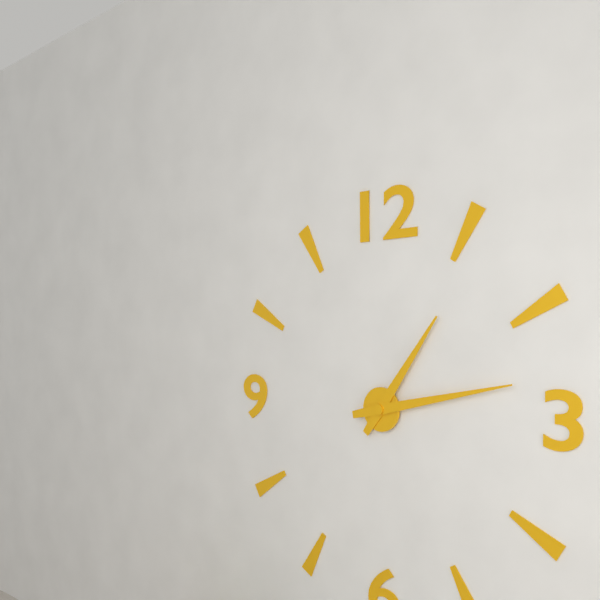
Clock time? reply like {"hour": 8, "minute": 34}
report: {"hour": 1, "minute": 13}
